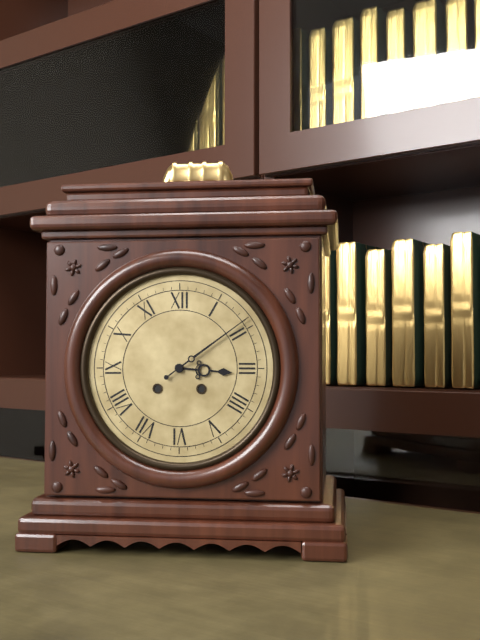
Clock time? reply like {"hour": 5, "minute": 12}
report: {"hour": 3, "minute": 9}
